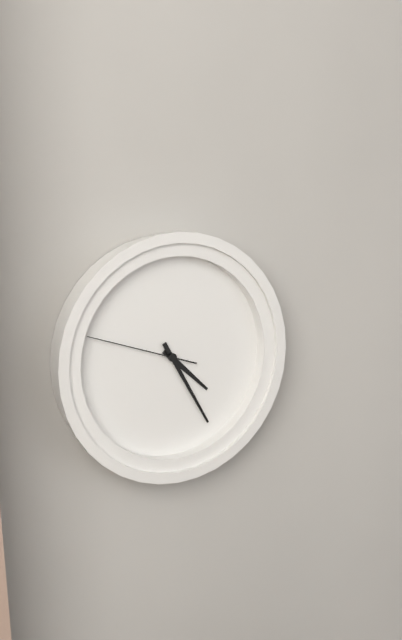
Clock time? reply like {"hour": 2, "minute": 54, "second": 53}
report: {"hour": 4, "minute": 25, "second": 48}
